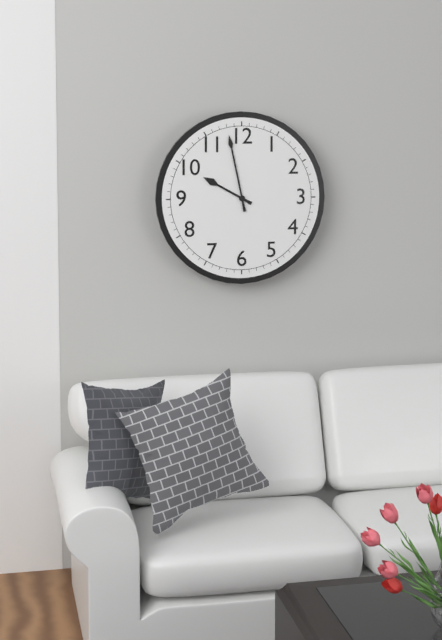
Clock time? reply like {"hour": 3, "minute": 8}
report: {"hour": 9, "minute": 58}
